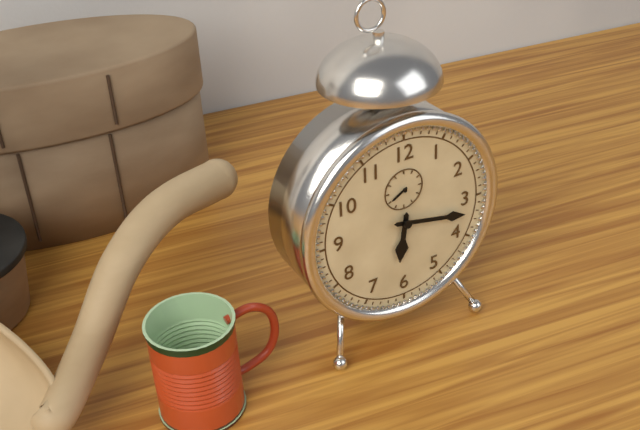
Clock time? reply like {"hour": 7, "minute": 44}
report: {"hour": 6, "minute": 17}
